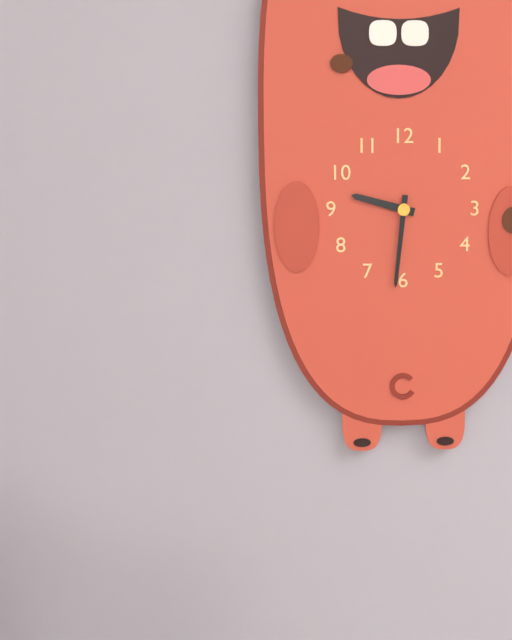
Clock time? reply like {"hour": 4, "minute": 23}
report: {"hour": 9, "minute": 31}
